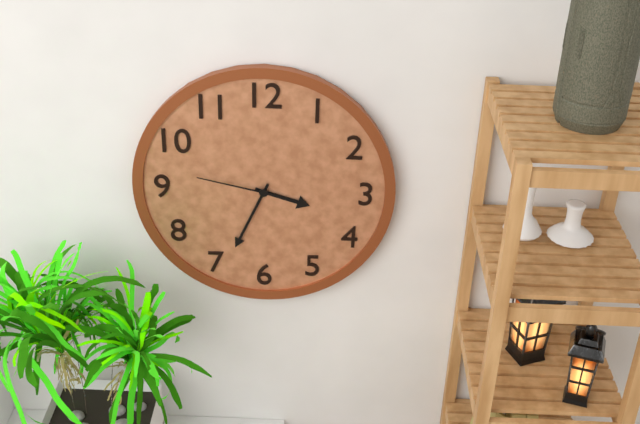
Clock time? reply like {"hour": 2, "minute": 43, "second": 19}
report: {"hour": 3, "minute": 34, "second": 47}
